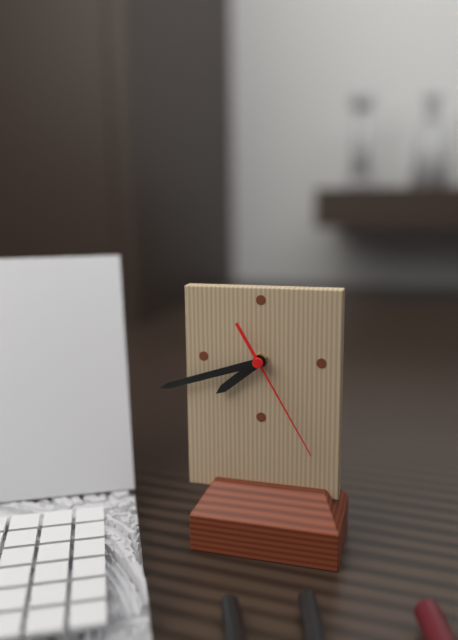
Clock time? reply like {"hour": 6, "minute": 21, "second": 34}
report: {"hour": 7, "minute": 42, "second": 25}
